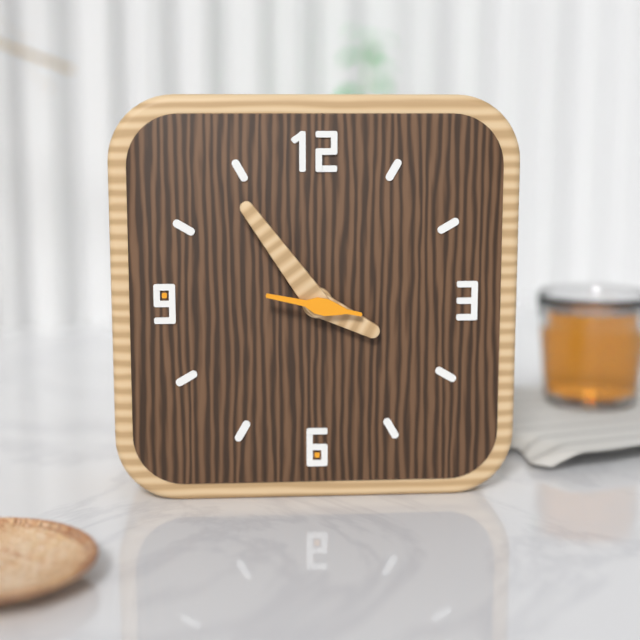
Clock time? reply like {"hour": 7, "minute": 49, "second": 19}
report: {"hour": 3, "minute": 54, "second": 47}
